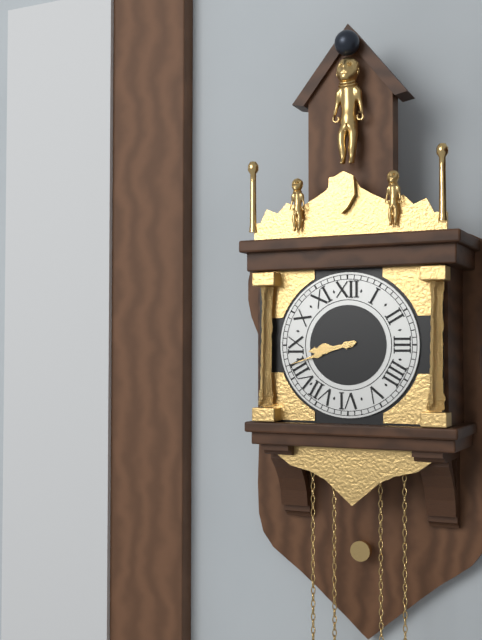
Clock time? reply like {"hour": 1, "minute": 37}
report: {"hour": 8, "minute": 42}
